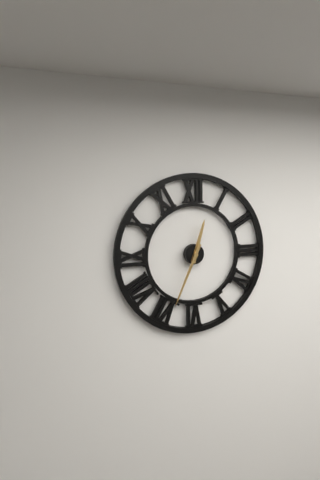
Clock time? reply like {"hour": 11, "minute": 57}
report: {"hour": 12, "minute": 34}
